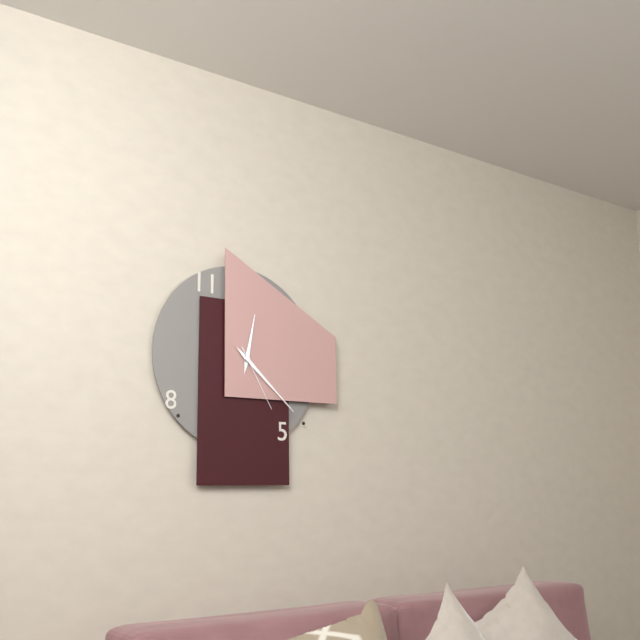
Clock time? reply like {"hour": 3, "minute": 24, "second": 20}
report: {"hour": 12, "minute": 22, "second": 25}
